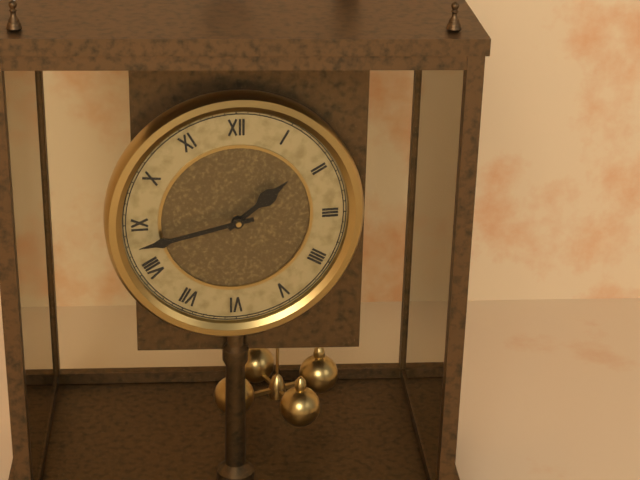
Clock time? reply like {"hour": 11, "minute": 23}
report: {"hour": 1, "minute": 43}
